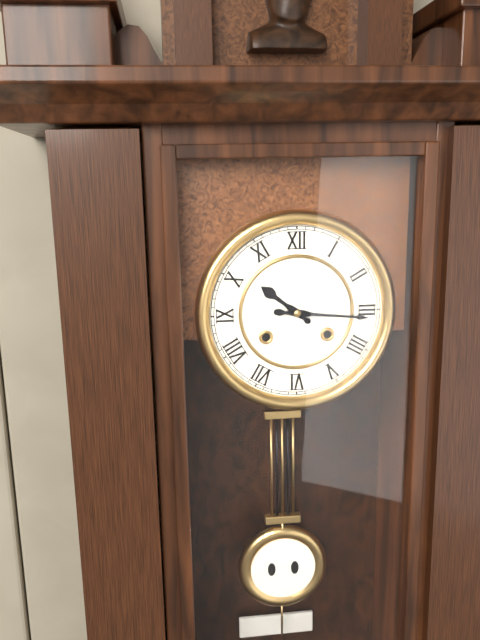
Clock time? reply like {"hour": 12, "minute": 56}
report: {"hour": 10, "minute": 16}
